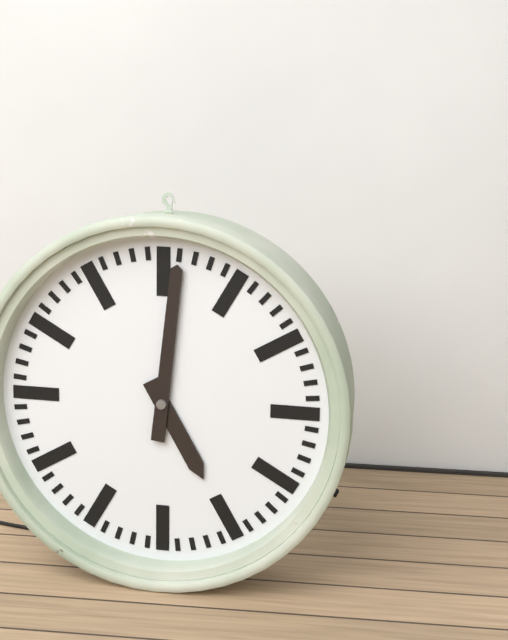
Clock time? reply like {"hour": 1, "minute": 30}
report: {"hour": 5, "minute": 1}
